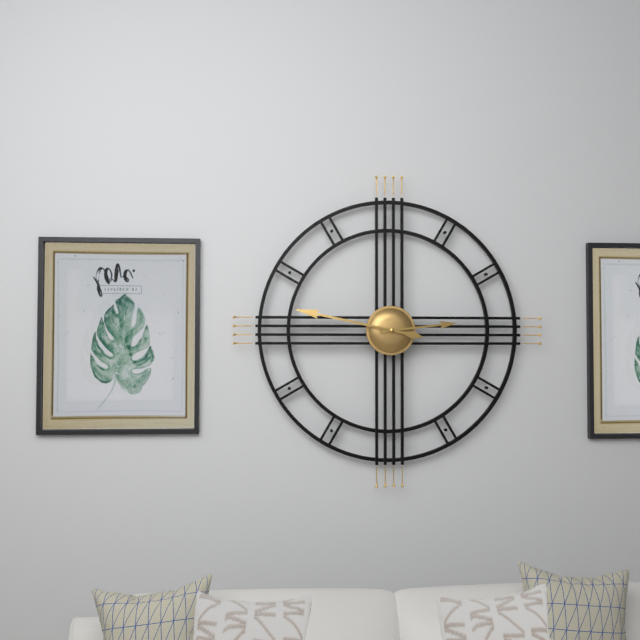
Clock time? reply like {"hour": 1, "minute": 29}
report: {"hour": 2, "minute": 47}
